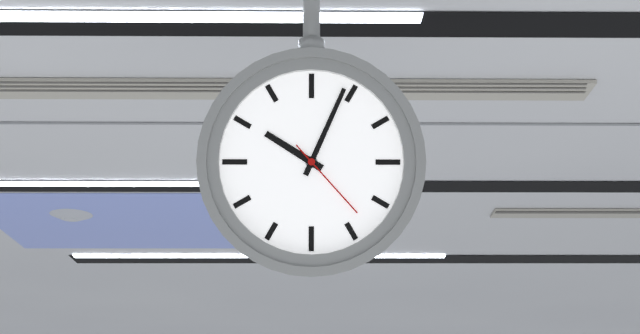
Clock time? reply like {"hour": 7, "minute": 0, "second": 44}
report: {"hour": 10, "minute": 4, "second": 23}
